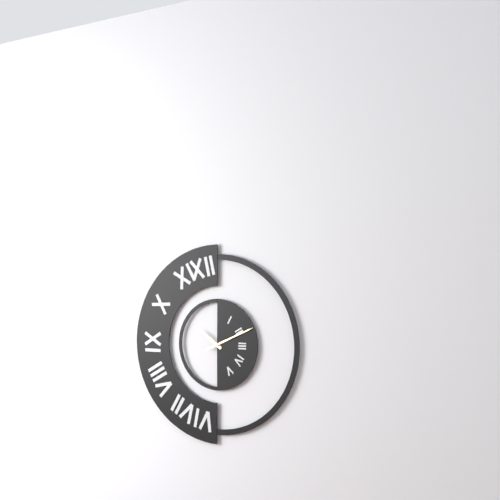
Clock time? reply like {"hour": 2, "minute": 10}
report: {"hour": 10, "minute": 11}
